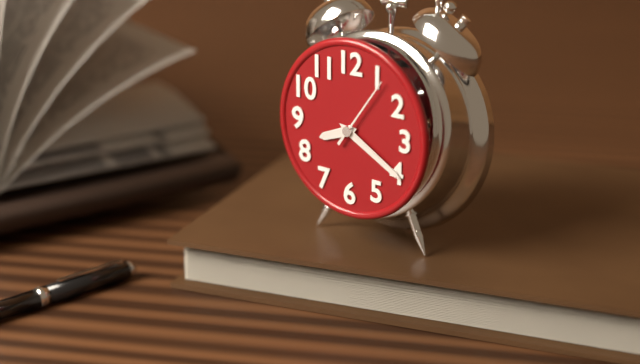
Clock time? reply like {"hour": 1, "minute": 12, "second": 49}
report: {"hour": 8, "minute": 20, "second": 6}
